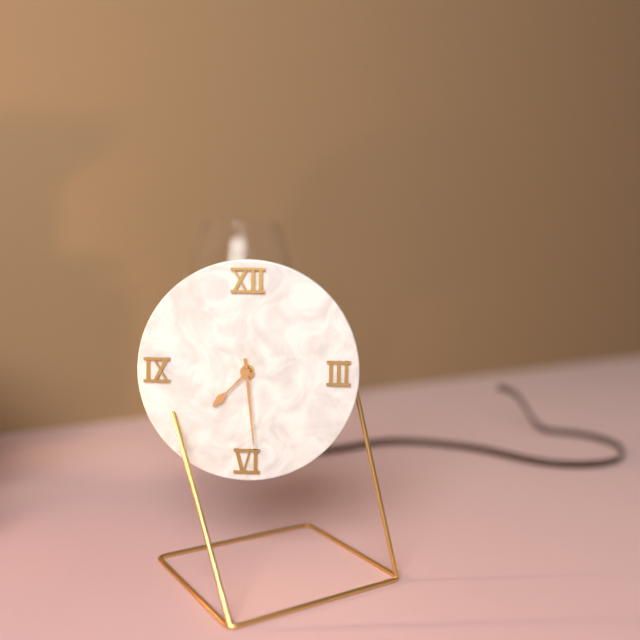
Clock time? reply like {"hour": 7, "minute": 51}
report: {"hour": 7, "minute": 29}
